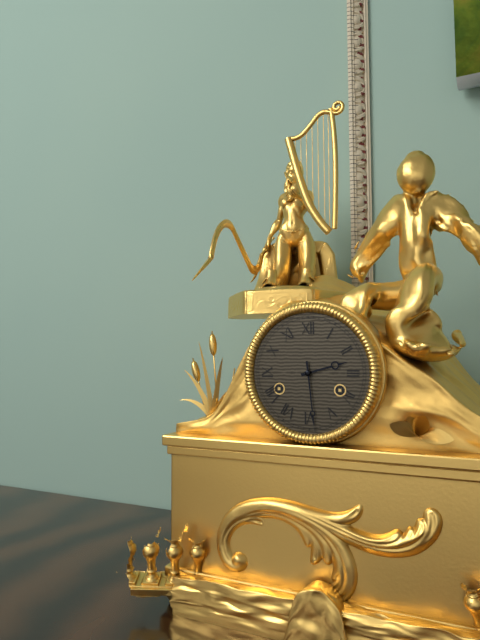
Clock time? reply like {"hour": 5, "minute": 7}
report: {"hour": 2, "minute": 29}
